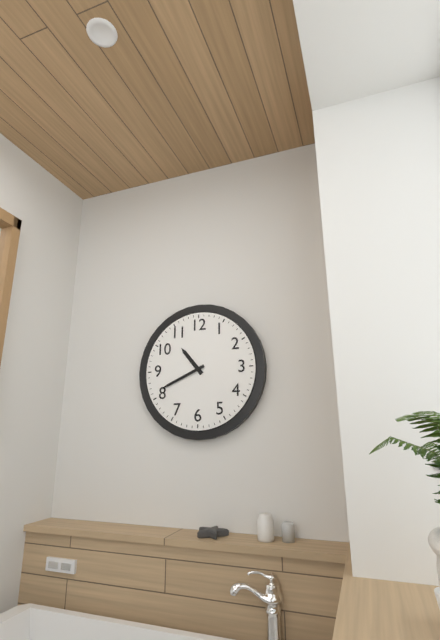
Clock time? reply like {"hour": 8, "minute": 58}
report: {"hour": 10, "minute": 41}
